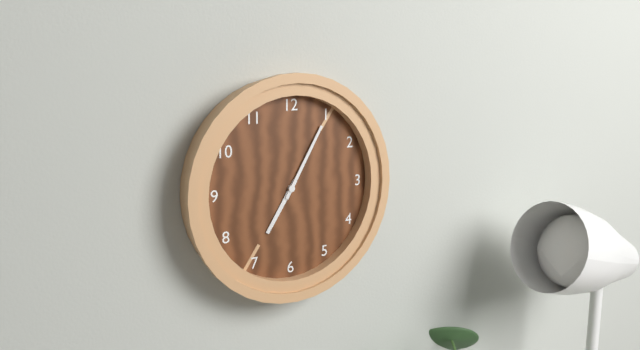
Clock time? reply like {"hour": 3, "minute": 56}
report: {"hour": 7, "minute": 5}
